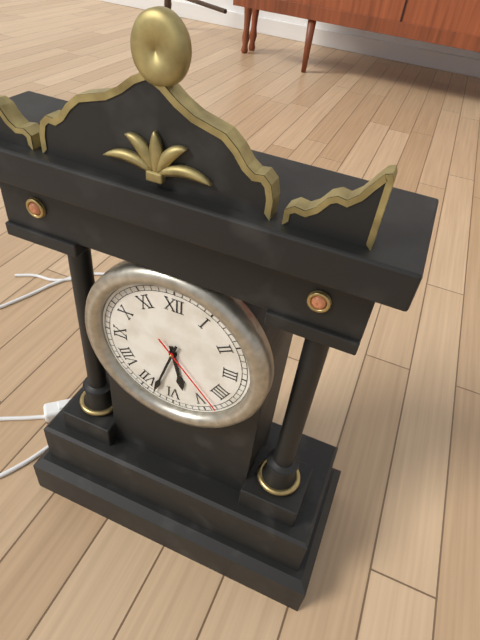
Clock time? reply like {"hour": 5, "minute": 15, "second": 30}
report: {"hour": 5, "minute": 33, "second": 23}
